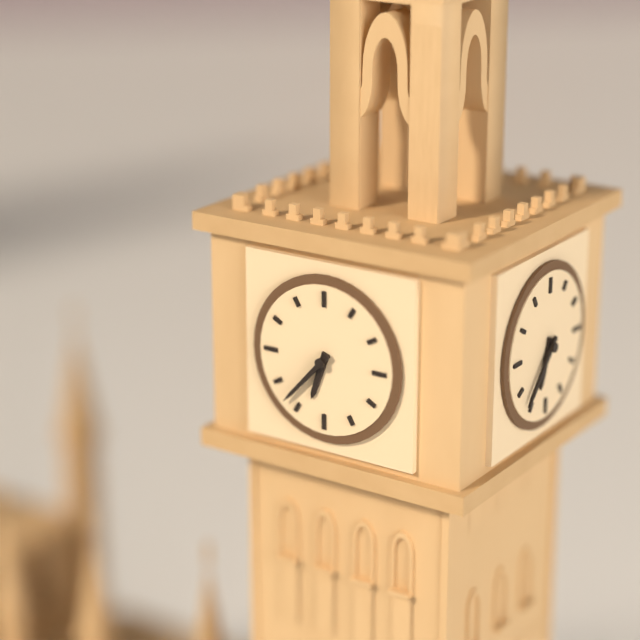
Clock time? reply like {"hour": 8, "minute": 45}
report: {"hour": 6, "minute": 37}
